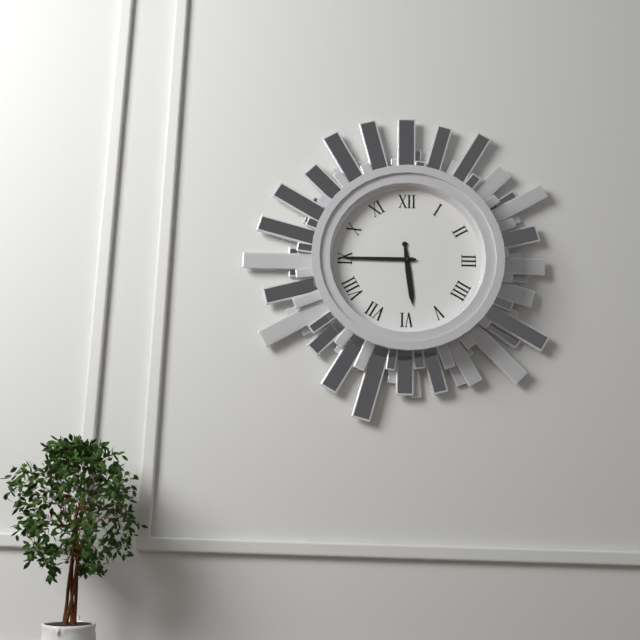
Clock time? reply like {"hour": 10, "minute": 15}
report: {"hour": 5, "minute": 45}
